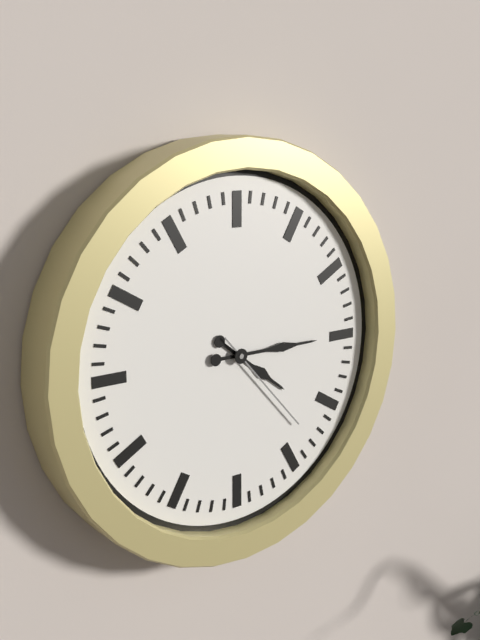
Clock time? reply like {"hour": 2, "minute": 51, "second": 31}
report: {"hour": 4, "minute": 15, "second": 23}
